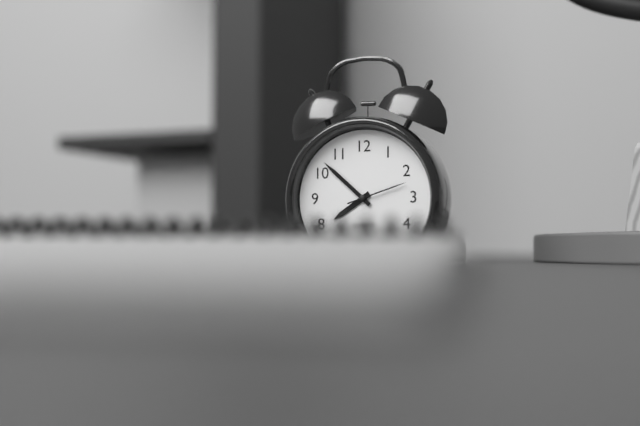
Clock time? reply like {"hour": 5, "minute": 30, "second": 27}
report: {"hour": 7, "minute": 52, "second": 12}
